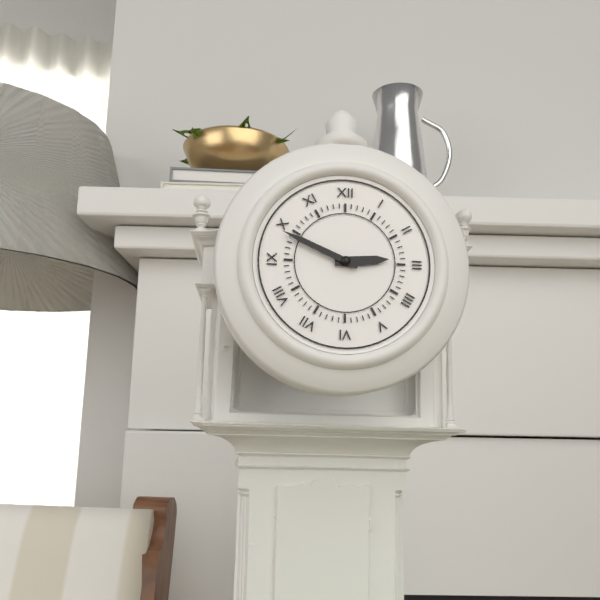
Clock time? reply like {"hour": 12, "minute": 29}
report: {"hour": 2, "minute": 49}
